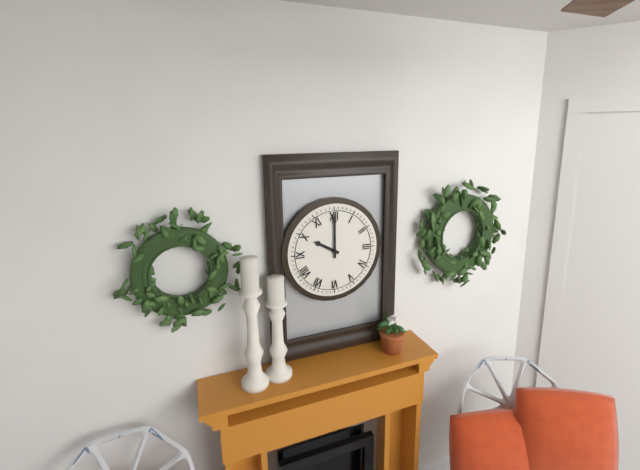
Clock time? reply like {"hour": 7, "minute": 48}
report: {"hour": 10, "minute": 0}
